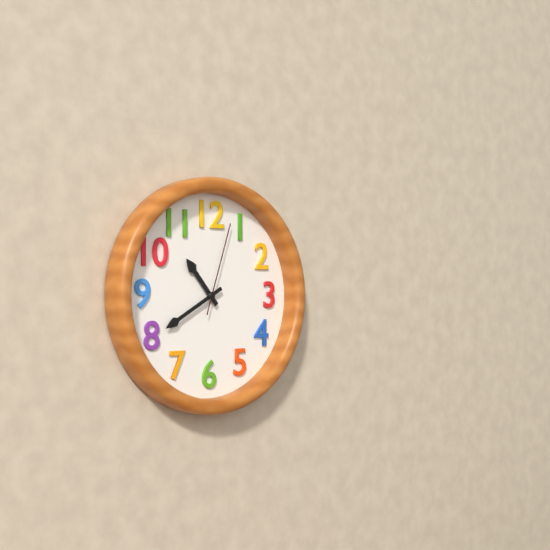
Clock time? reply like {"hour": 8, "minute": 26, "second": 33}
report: {"hour": 10, "minute": 40, "second": 3}
